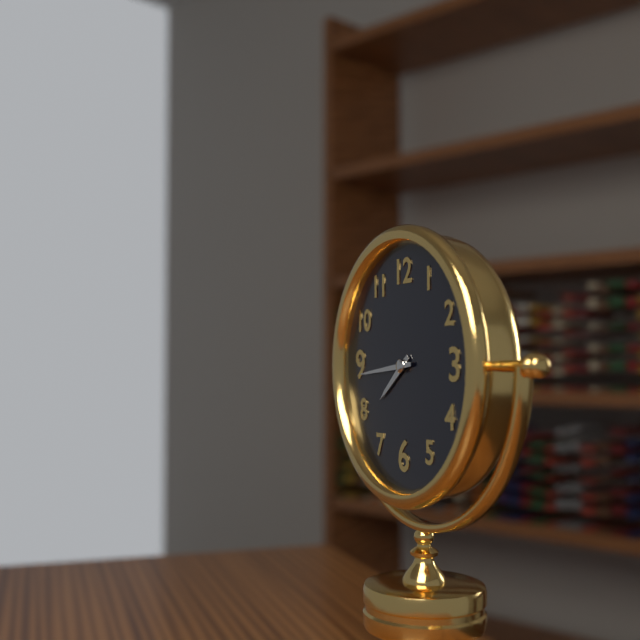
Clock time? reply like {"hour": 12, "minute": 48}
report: {"hour": 7, "minute": 44}
